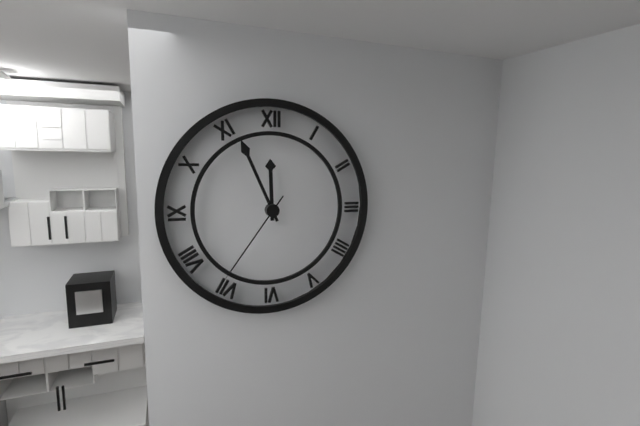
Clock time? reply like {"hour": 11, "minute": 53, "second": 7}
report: {"hour": 11, "minute": 56, "second": 36}
